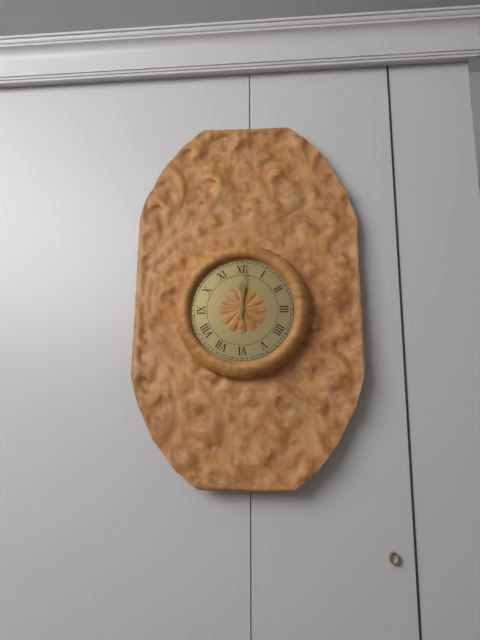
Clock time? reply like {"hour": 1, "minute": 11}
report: {"hour": 12, "minute": 1}
